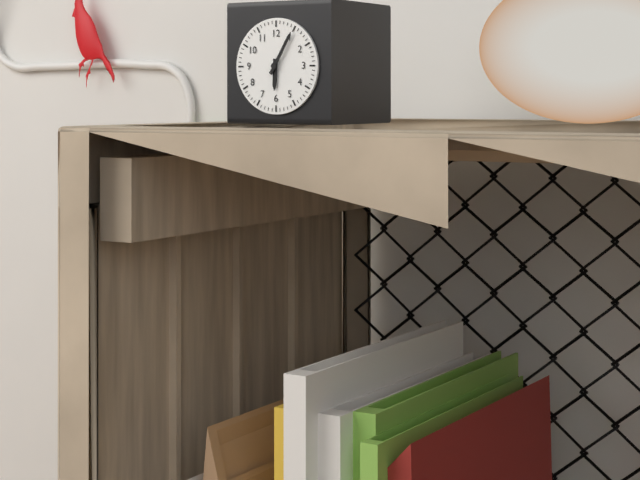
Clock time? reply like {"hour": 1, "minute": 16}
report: {"hour": 6, "minute": 5}
